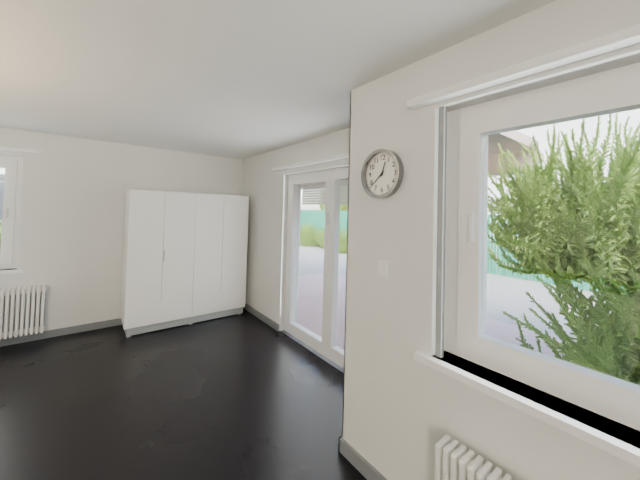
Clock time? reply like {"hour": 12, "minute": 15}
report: {"hour": 12, "minute": 38}
